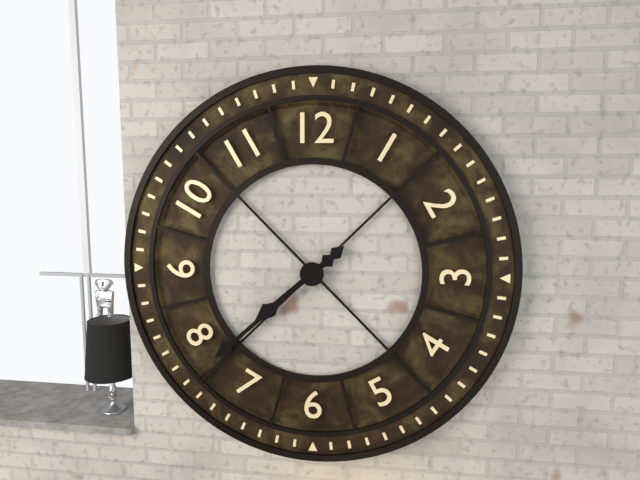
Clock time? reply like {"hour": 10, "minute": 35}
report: {"hour": 7, "minute": 38}
